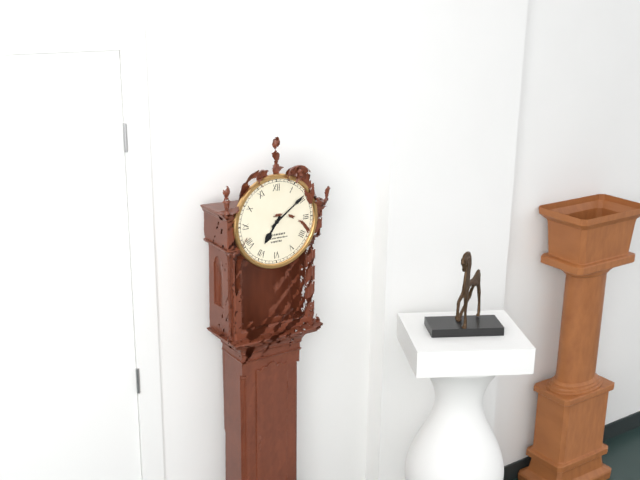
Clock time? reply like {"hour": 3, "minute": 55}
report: {"hour": 7, "minute": 9}
